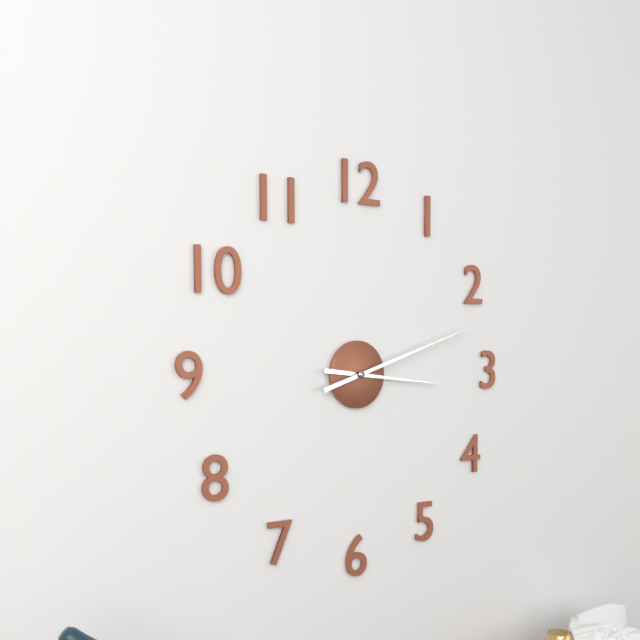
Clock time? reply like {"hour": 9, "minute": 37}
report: {"hour": 3, "minute": 12}
